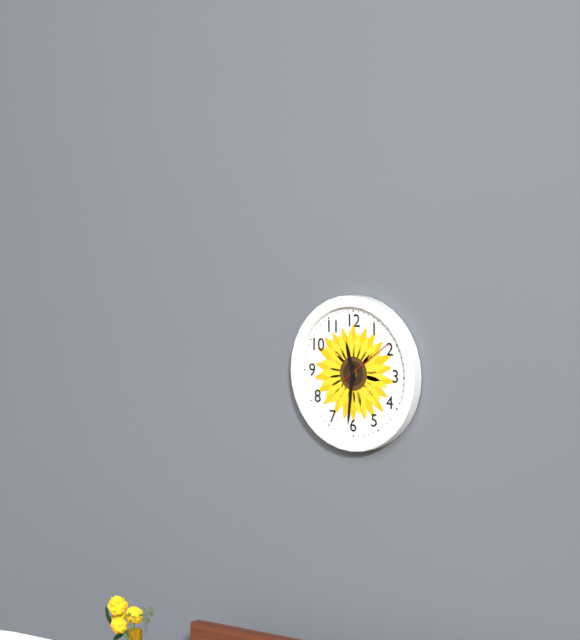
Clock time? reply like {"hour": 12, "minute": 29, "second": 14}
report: {"hour": 11, "minute": 31, "second": 9}
